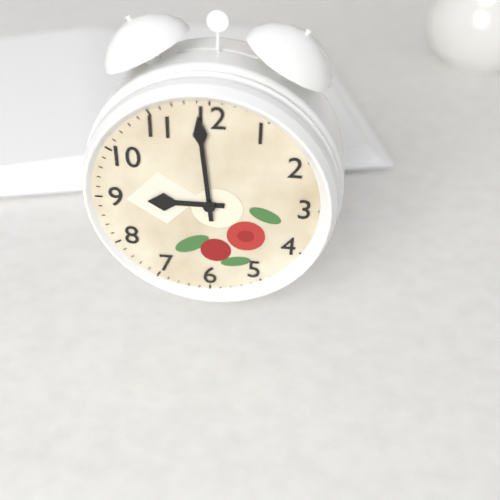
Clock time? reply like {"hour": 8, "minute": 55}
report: {"hour": 8, "minute": 59}
